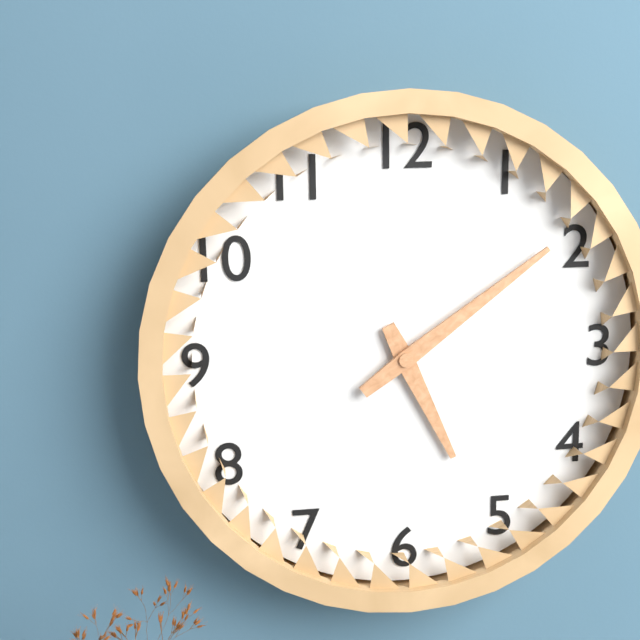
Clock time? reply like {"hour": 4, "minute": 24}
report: {"hour": 5, "minute": 9}
